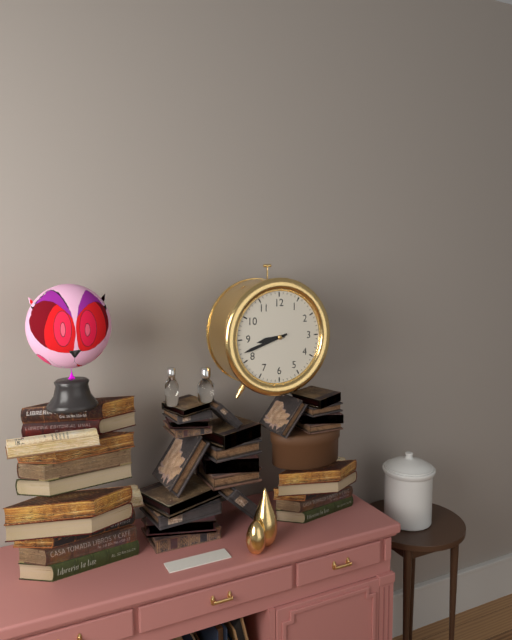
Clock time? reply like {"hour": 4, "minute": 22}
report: {"hour": 8, "minute": 42}
